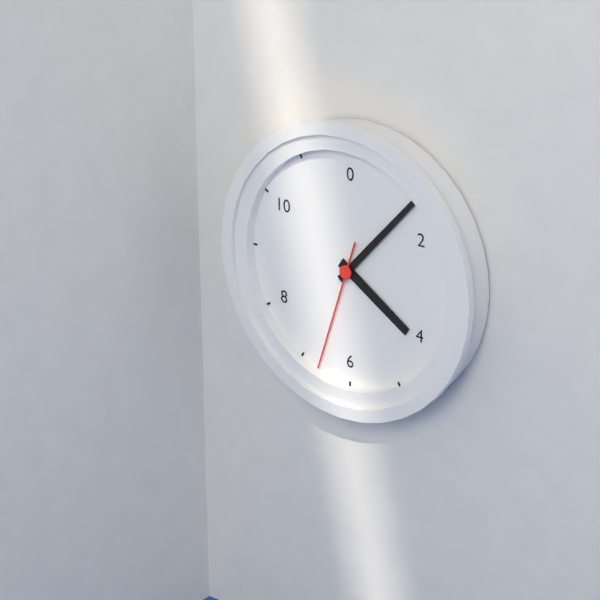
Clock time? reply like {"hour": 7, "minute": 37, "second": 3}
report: {"hour": 4, "minute": 7, "second": 33}
